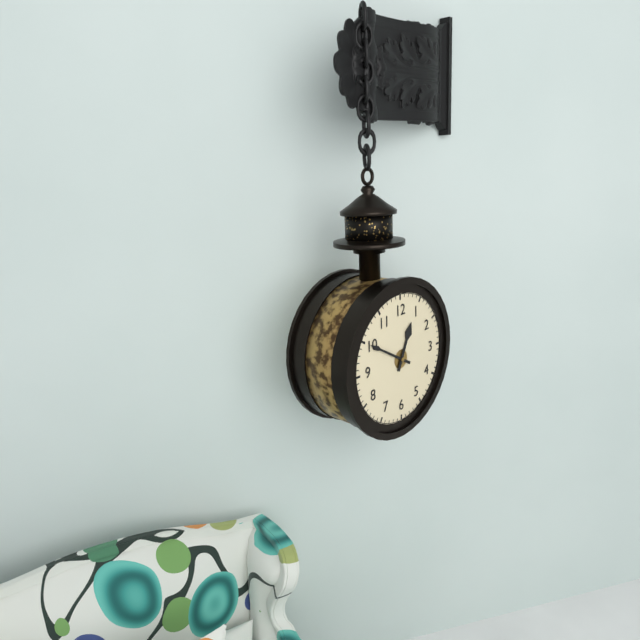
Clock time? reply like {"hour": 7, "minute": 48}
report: {"hour": 12, "minute": 50}
